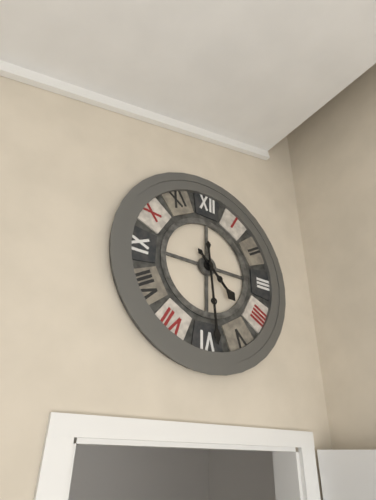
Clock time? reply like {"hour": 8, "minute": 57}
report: {"hour": 4, "minute": 29}
